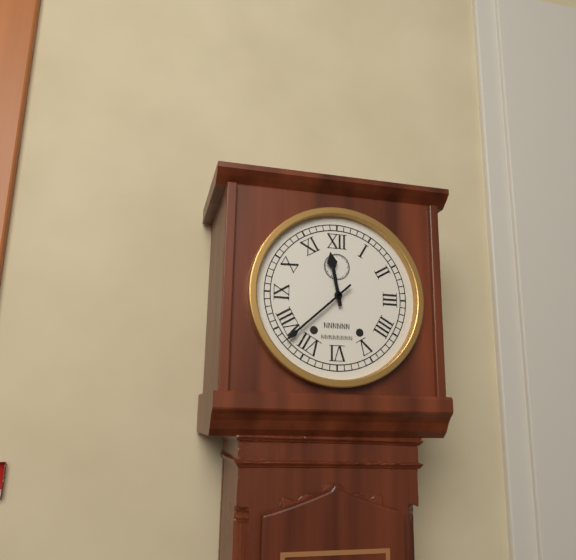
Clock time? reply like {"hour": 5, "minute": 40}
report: {"hour": 11, "minute": 38}
